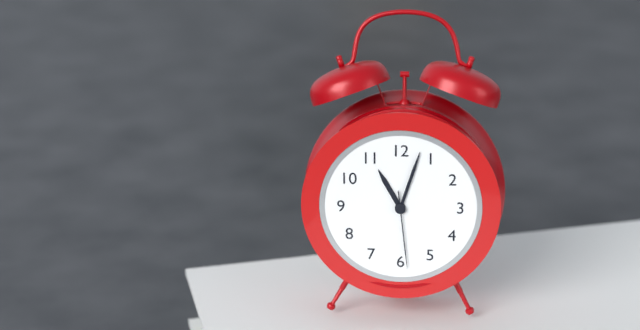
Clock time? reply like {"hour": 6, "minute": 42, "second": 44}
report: {"hour": 11, "minute": 3, "second": 29}
